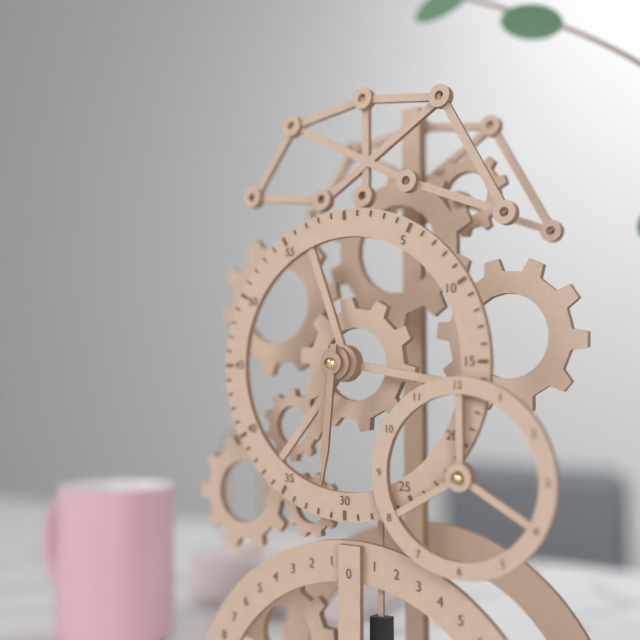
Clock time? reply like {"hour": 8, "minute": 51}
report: {"hour": 6, "minute": 31}
